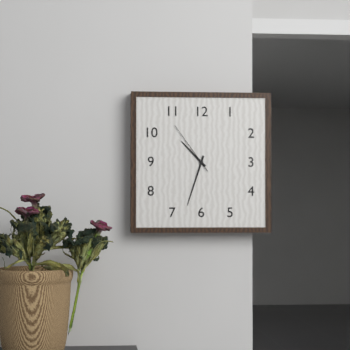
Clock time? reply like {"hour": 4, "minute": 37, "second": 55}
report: {"hour": 10, "minute": 33, "second": 54}
